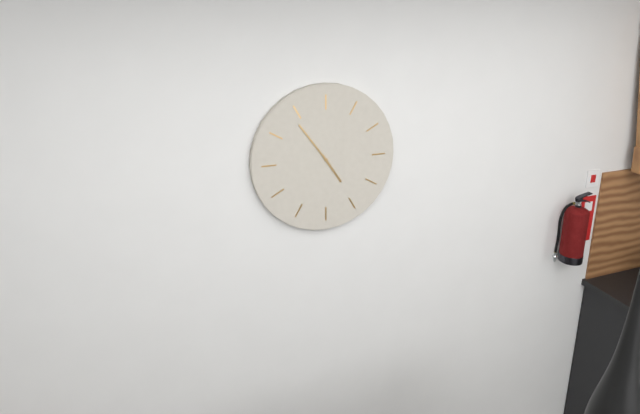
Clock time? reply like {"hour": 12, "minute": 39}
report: {"hour": 4, "minute": 54}
